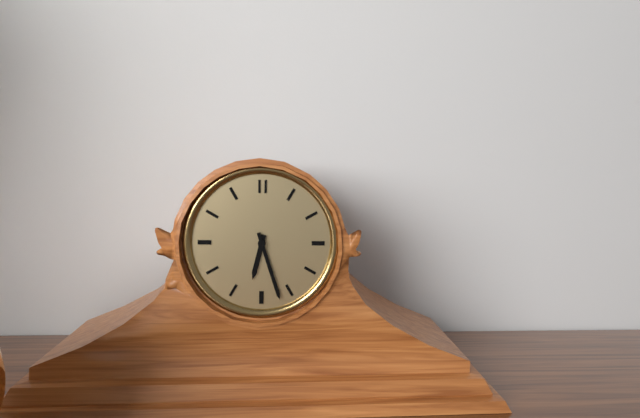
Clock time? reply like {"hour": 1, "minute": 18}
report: {"hour": 6, "minute": 27}
